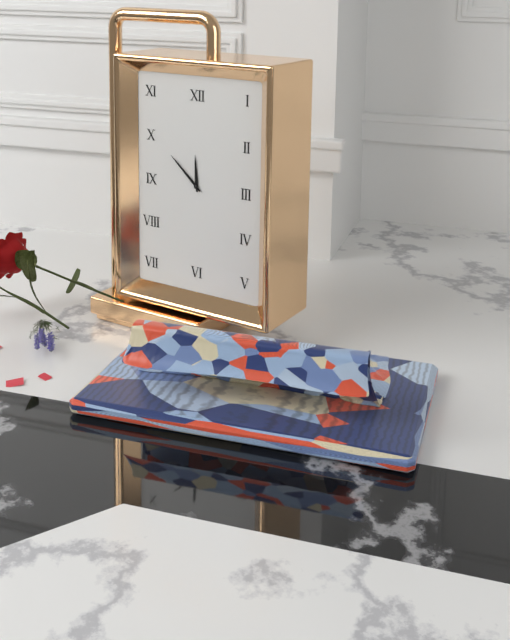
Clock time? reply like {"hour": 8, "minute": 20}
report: {"hour": 11, "minute": 52}
